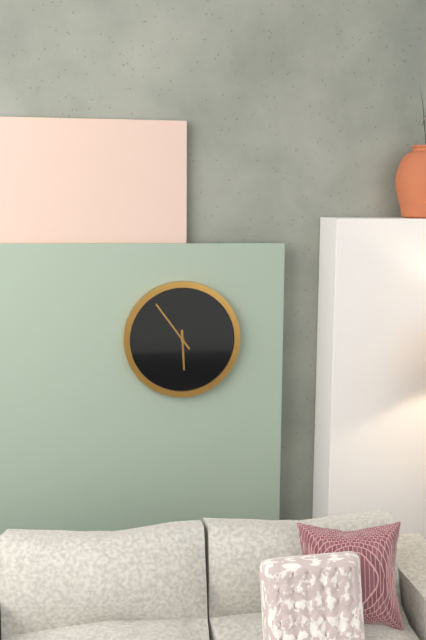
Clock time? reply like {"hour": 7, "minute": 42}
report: {"hour": 5, "minute": 54}
